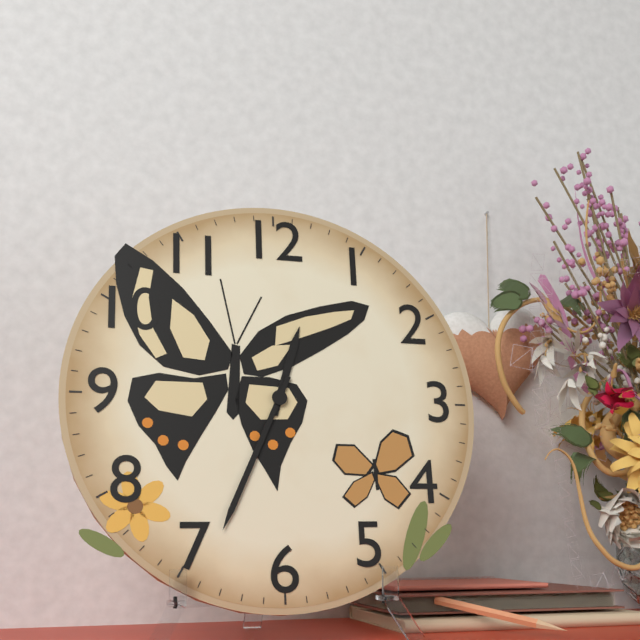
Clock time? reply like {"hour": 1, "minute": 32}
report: {"hour": 12, "minute": 34}
